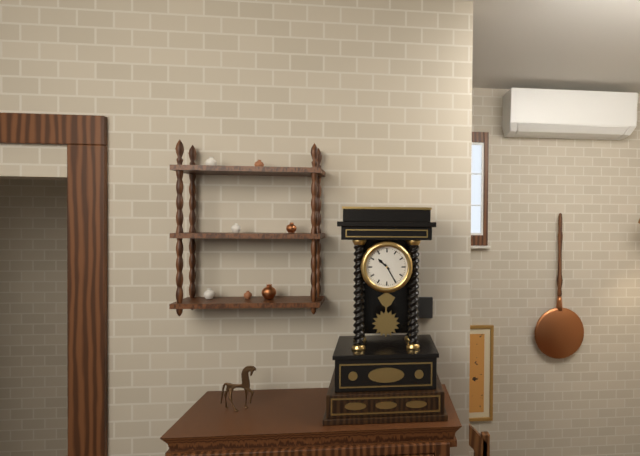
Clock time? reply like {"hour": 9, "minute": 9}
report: {"hour": 10, "minute": 25}
